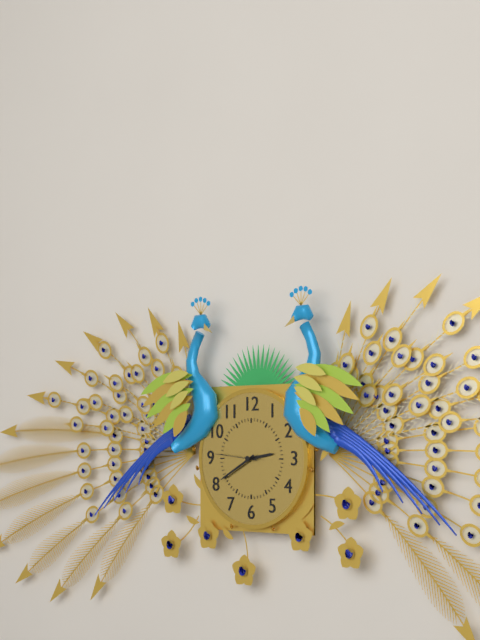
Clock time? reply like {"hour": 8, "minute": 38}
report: {"hour": 2, "minute": 40}
